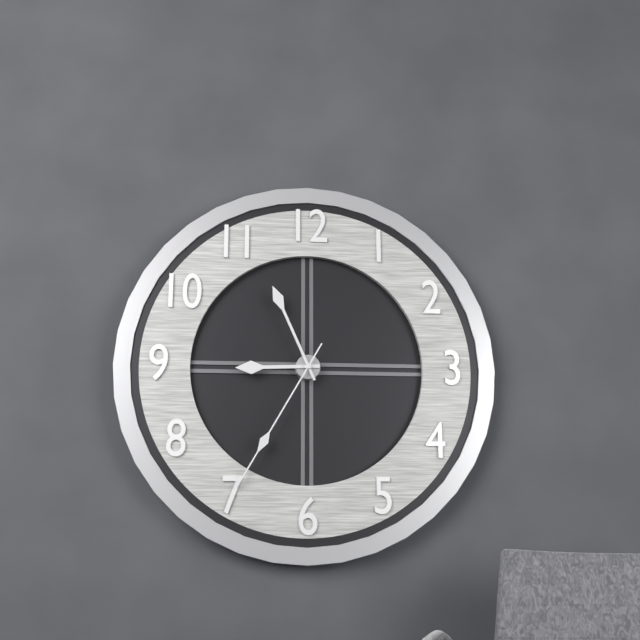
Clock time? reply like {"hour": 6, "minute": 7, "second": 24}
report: {"hour": 8, "minute": 56, "second": 35}
